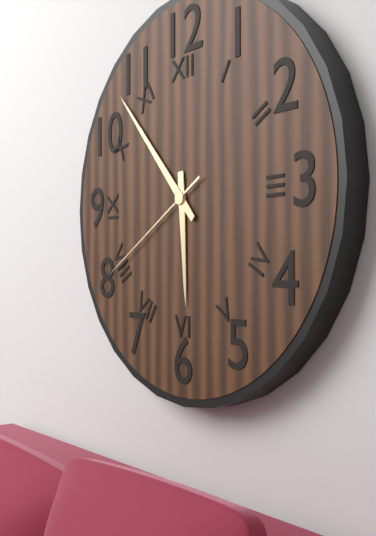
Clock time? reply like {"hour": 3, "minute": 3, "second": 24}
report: {"hour": 5, "minute": 53, "second": 40}
